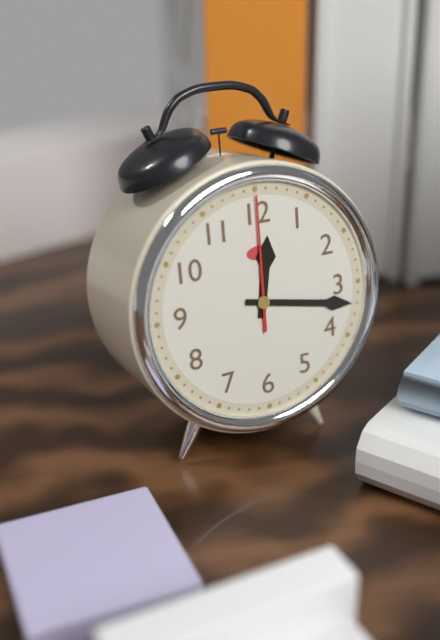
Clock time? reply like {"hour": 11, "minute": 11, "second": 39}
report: {"hour": 12, "minute": 17, "second": 0}
